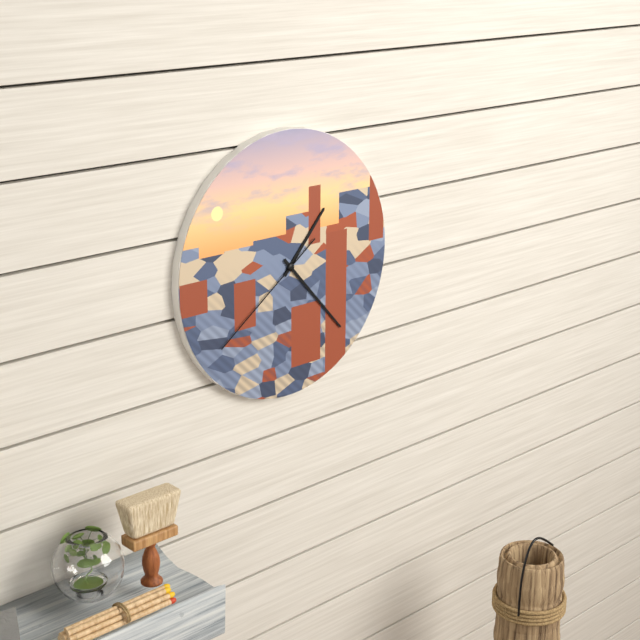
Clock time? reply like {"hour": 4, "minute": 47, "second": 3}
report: {"hour": 1, "minute": 23, "second": 39}
